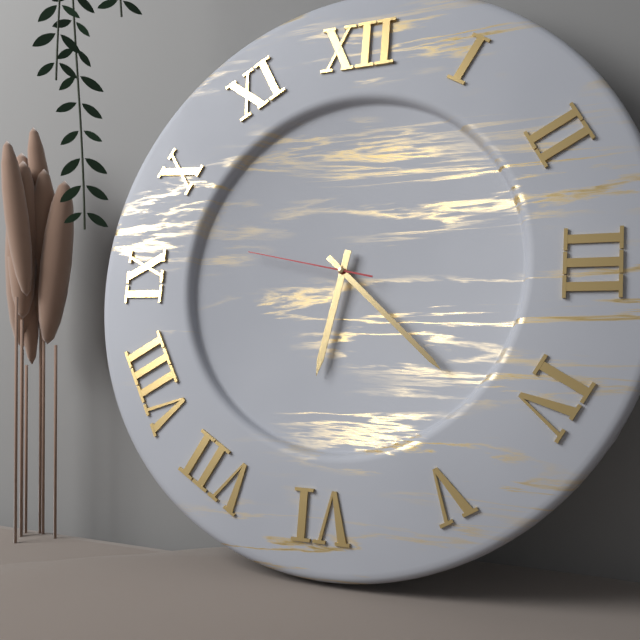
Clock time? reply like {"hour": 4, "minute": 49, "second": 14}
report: {"hour": 6, "minute": 22, "second": 47}
